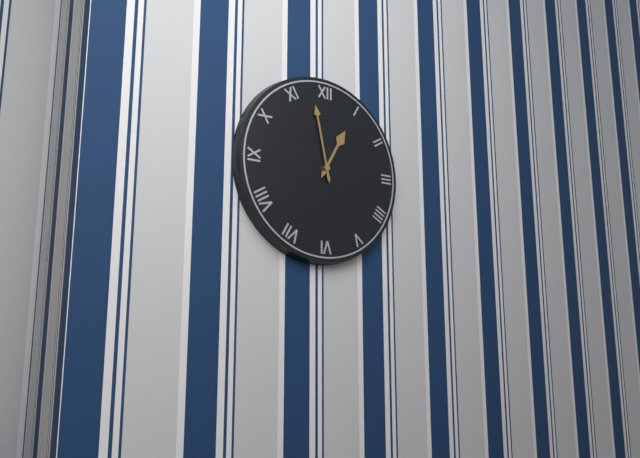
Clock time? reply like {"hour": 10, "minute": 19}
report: {"hour": 12, "minute": 58}
